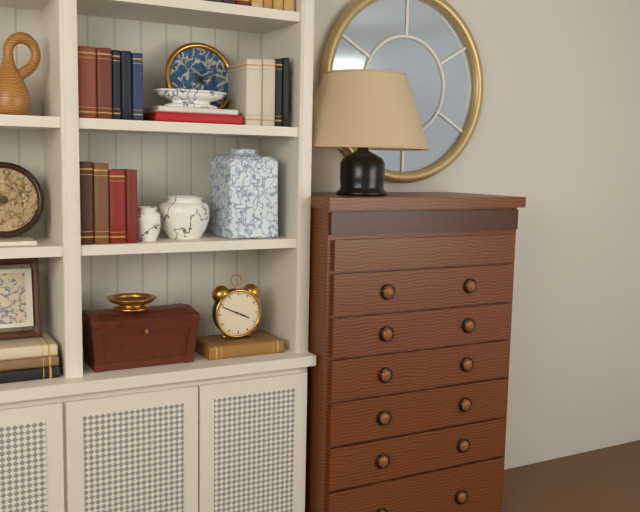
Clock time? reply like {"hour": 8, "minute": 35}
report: {"hour": 3, "minute": 49}
